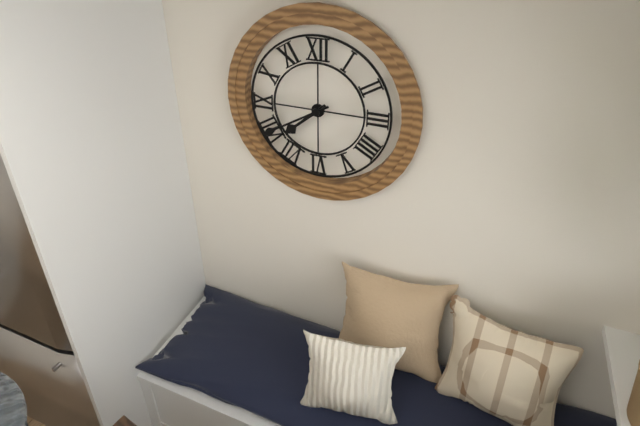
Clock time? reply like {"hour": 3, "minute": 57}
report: {"hour": 7, "minute": 40}
